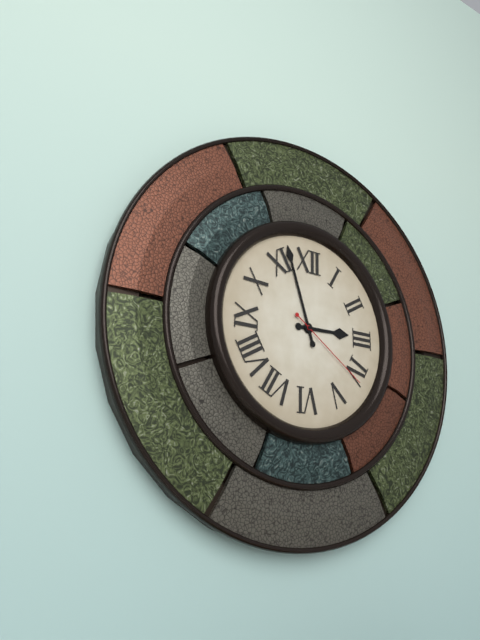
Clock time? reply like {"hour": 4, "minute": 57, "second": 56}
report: {"hour": 2, "minute": 57, "second": 21}
